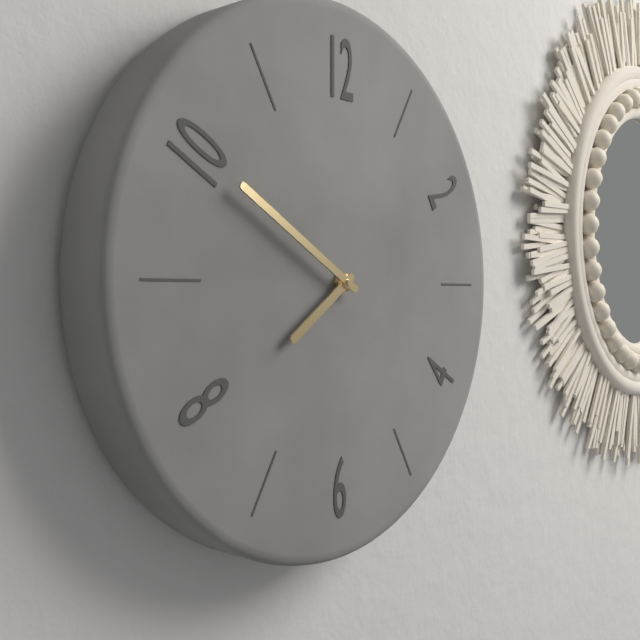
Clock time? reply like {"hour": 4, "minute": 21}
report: {"hour": 7, "minute": 50}
